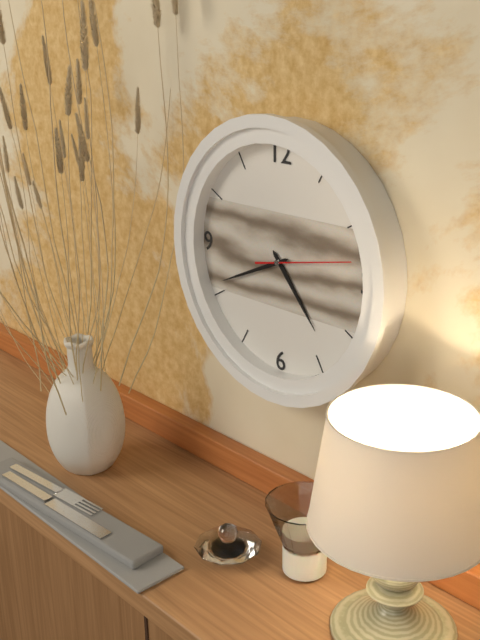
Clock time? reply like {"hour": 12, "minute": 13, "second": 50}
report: {"hour": 4, "minute": 41, "second": 13}
